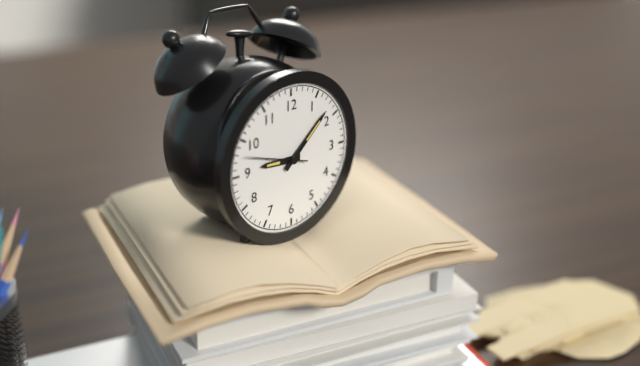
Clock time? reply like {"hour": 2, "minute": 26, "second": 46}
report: {"hour": 9, "minute": 8, "second": 48}
